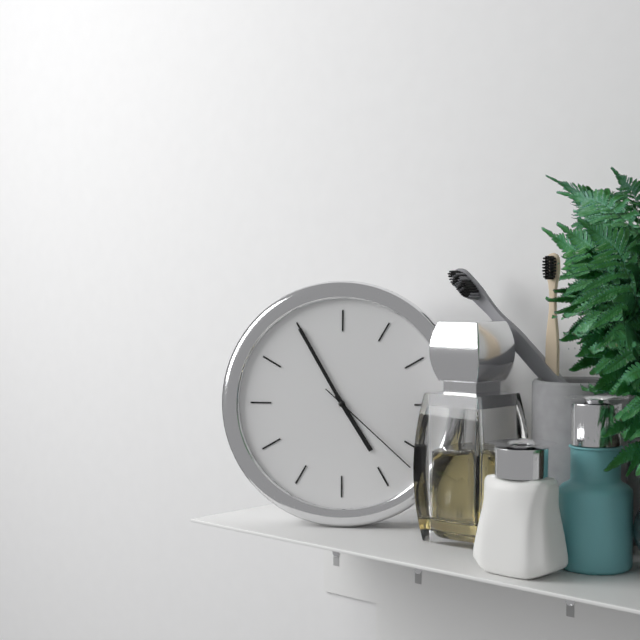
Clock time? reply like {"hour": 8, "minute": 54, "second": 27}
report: {"hour": 4, "minute": 55, "second": 22}
